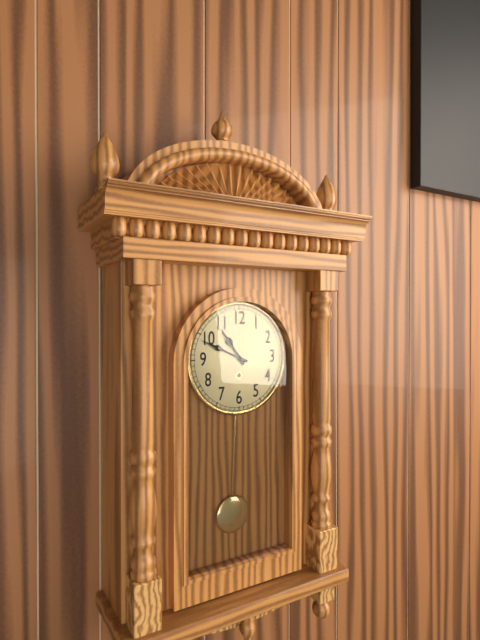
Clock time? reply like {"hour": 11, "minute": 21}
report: {"hour": 10, "minute": 49}
